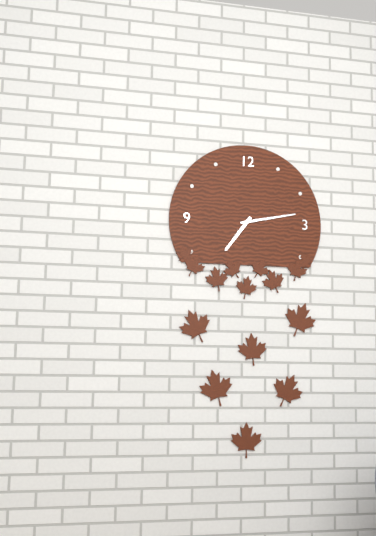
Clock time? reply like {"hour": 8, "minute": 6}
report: {"hour": 7, "minute": 13}
